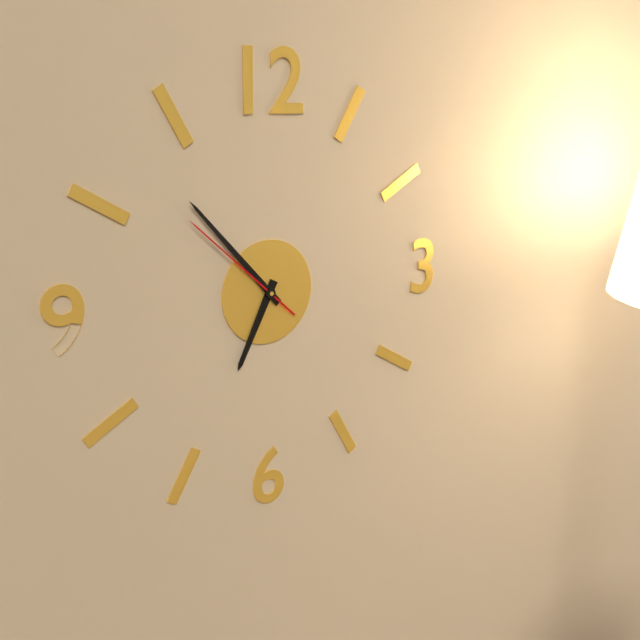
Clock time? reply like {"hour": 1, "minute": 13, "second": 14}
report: {"hour": 6, "minute": 53, "second": 52}
